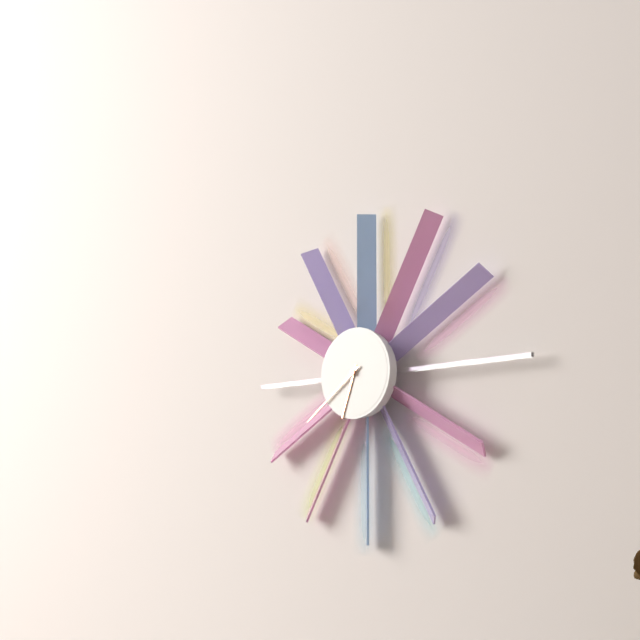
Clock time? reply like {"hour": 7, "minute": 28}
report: {"hour": 6, "minute": 39}
